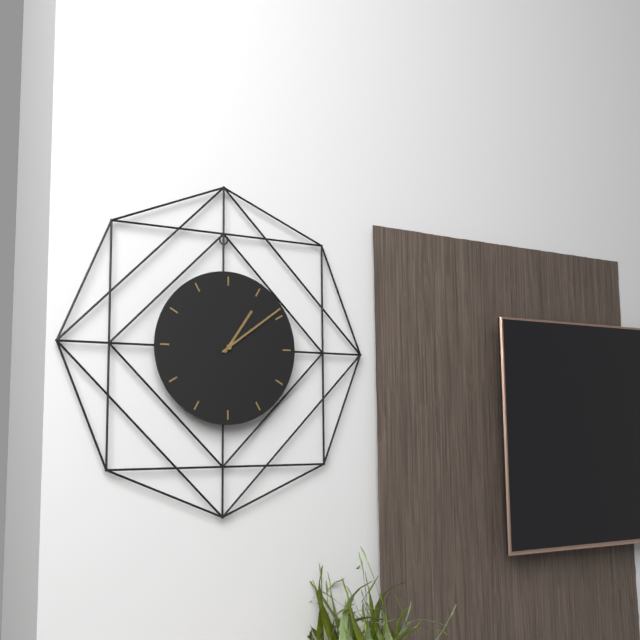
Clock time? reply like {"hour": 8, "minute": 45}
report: {"hour": 1, "minute": 9}
